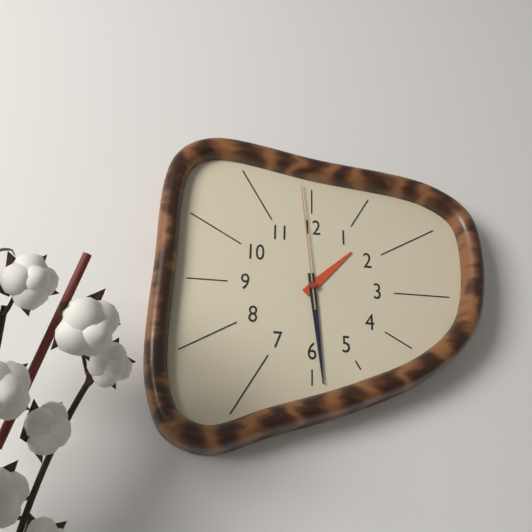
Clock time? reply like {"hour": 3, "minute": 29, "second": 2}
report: {"hour": 1, "minute": 29, "second": 59}
